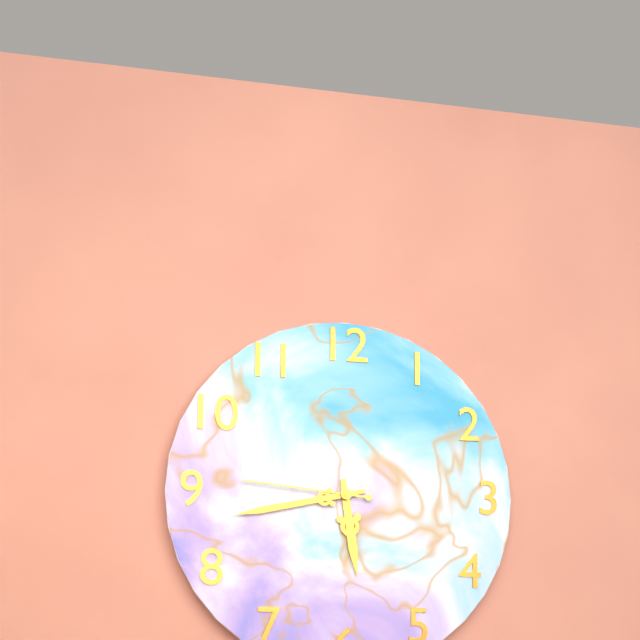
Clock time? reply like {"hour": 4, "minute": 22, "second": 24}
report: {"hour": 5, "minute": 43, "second": 46}
